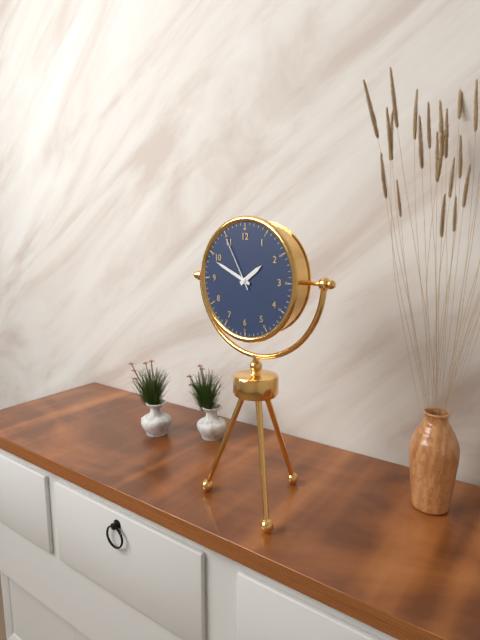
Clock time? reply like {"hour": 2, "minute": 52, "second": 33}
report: {"hour": 1, "minute": 49, "second": 55}
